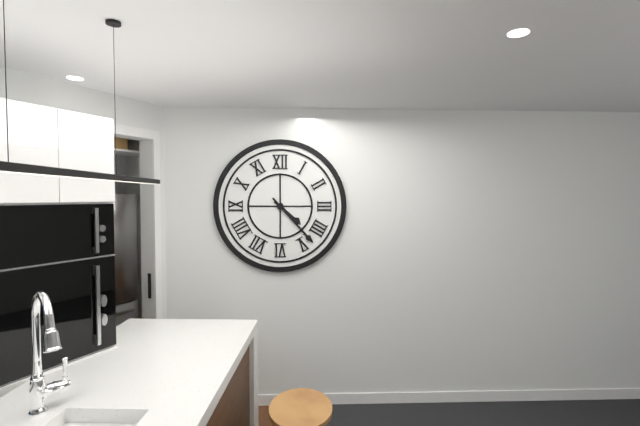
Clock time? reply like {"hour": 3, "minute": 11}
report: {"hour": 4, "minute": 23}
